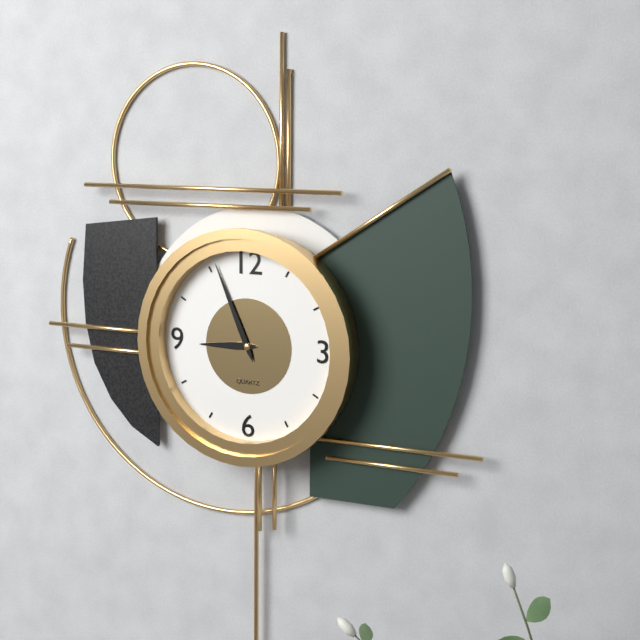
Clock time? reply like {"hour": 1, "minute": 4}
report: {"hour": 8, "minute": 56}
